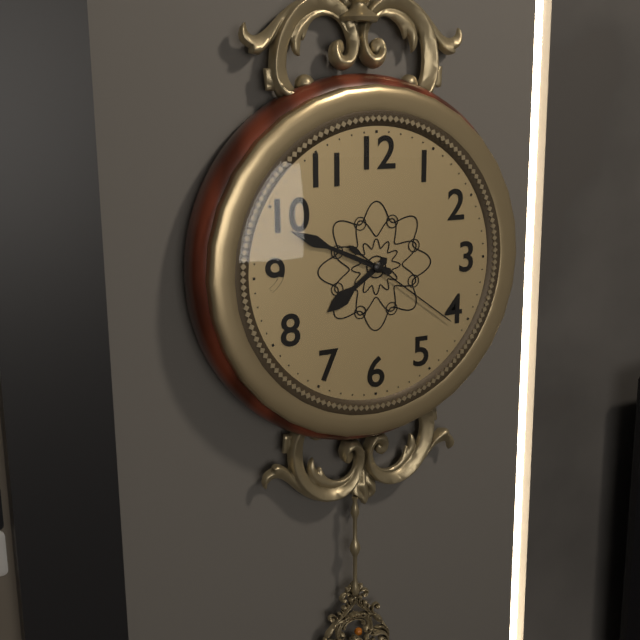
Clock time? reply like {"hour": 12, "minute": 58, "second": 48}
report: {"hour": 7, "minute": 49, "second": 21}
